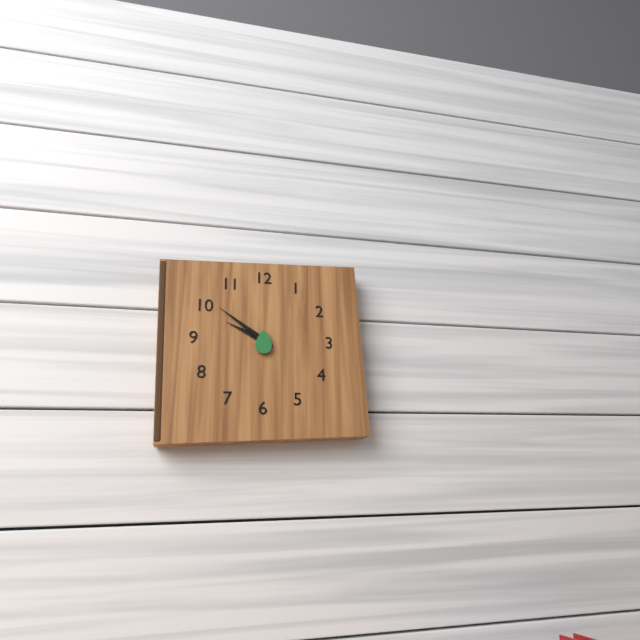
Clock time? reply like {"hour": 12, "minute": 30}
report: {"hour": 9, "minute": 51}
